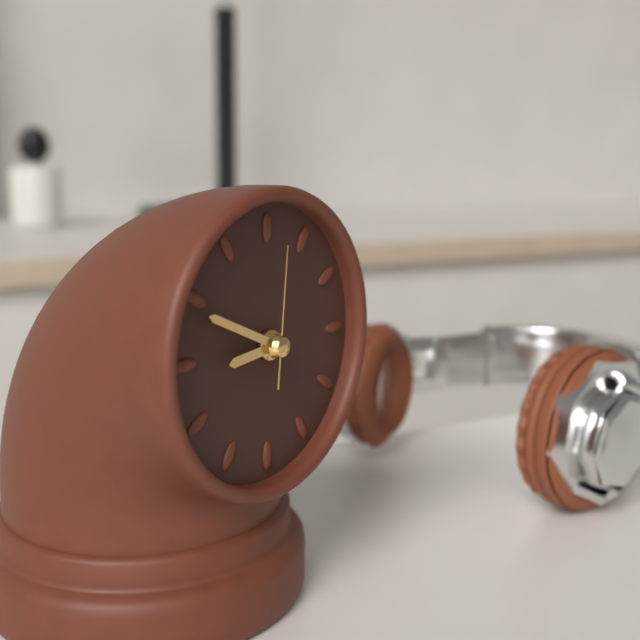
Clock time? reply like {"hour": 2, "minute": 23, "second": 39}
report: {"hour": 8, "minute": 49, "second": 1}
